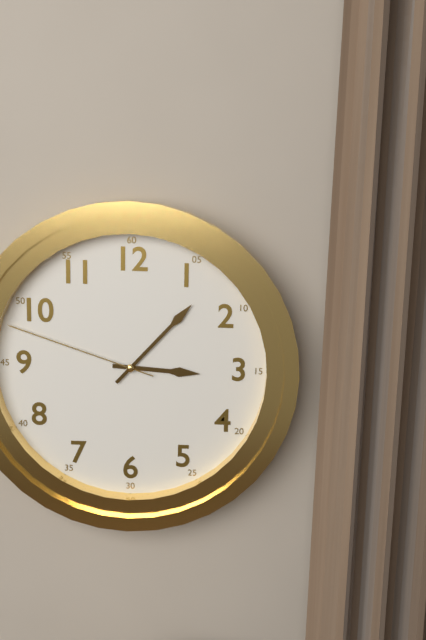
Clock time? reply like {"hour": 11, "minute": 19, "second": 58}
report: {"hour": 3, "minute": 7, "second": 48}
